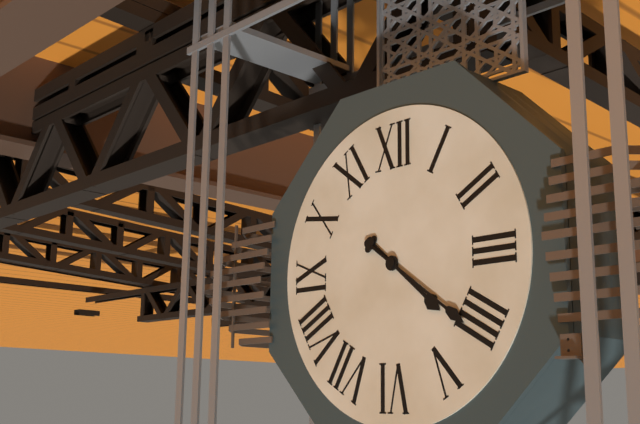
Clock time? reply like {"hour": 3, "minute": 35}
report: {"hour": 4, "minute": 21}
